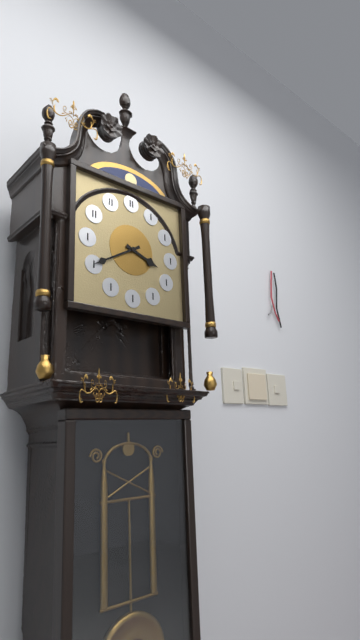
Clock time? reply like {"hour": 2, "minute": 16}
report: {"hour": 3, "minute": 40}
